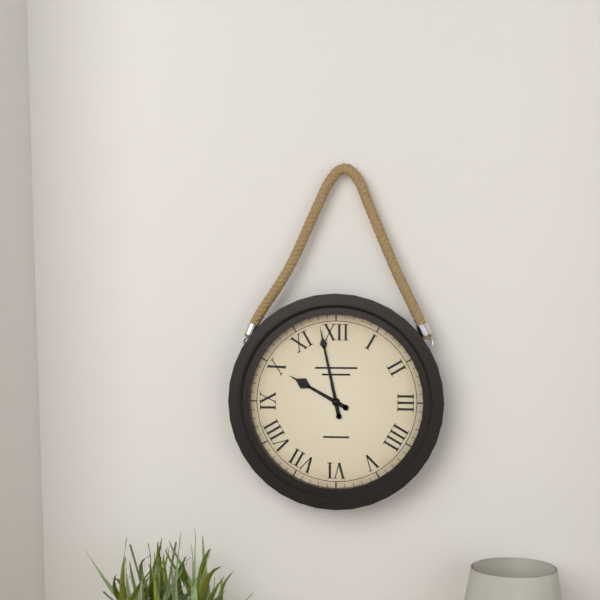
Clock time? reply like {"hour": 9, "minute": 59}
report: {"hour": 9, "minute": 58}
